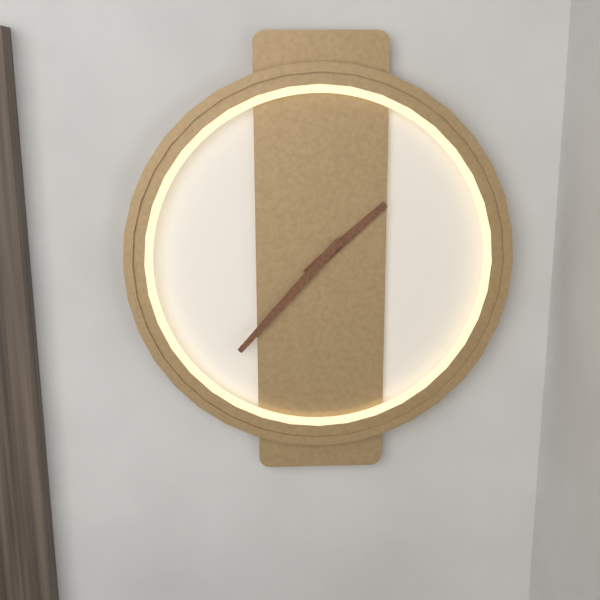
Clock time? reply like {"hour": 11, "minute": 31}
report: {"hour": 1, "minute": 37}
